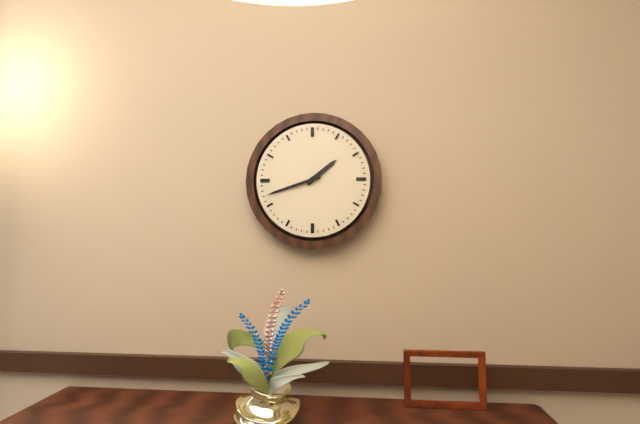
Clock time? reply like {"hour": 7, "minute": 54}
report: {"hour": 1, "minute": 42}
